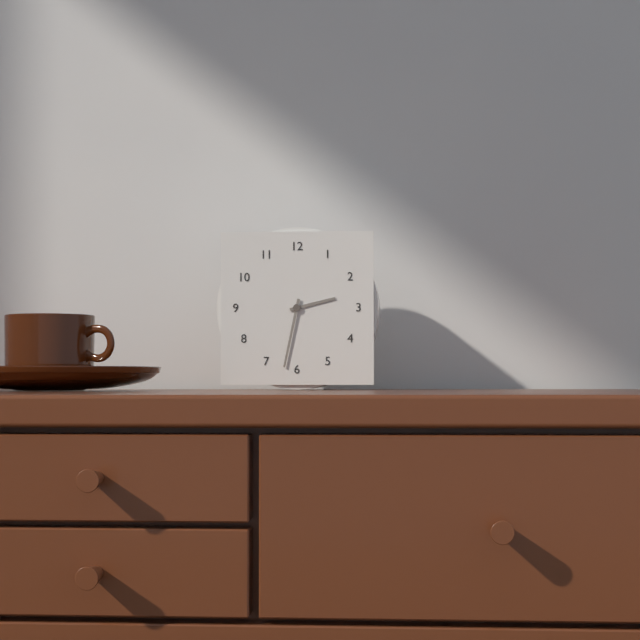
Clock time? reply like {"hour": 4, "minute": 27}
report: {"hour": 2, "minute": 32}
